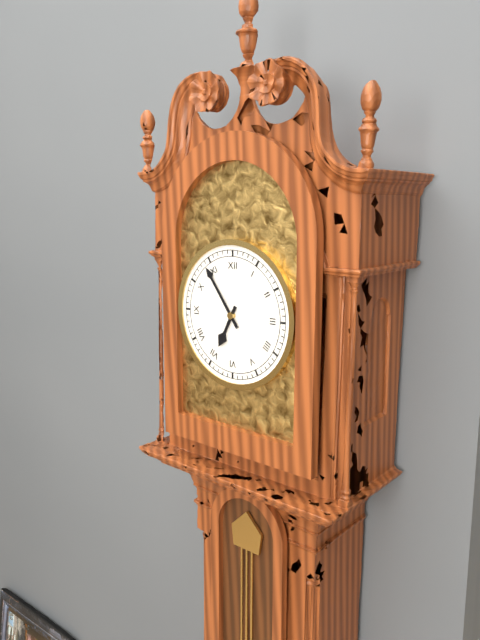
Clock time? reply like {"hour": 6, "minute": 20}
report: {"hour": 6, "minute": 54}
